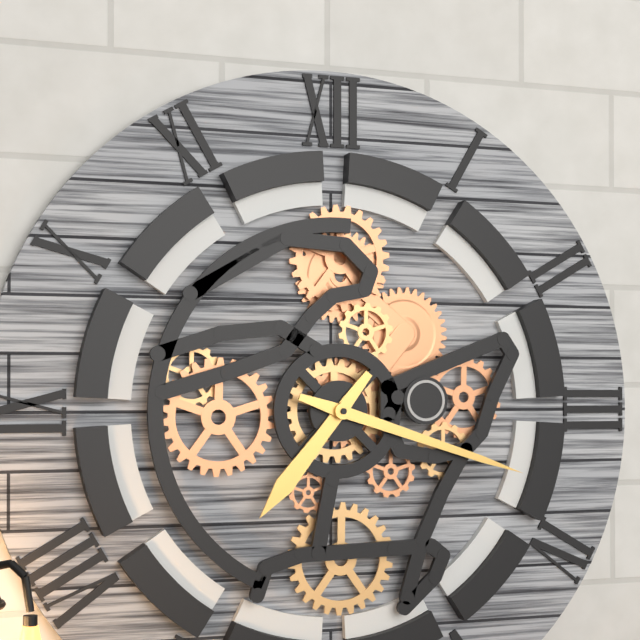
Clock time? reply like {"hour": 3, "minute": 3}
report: {"hour": 7, "minute": 18}
